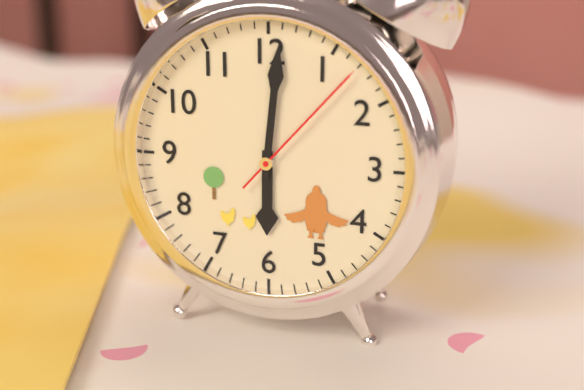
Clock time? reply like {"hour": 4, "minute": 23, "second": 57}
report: {"hour": 6, "minute": 1, "second": 7}
